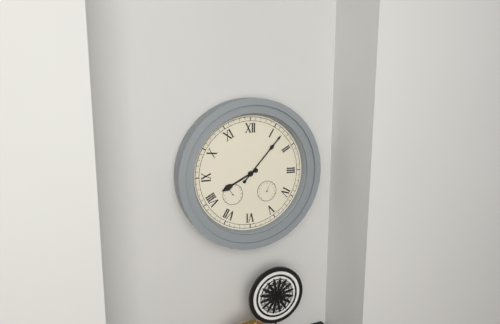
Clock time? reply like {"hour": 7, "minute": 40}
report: {"hour": 8, "minute": 7}
